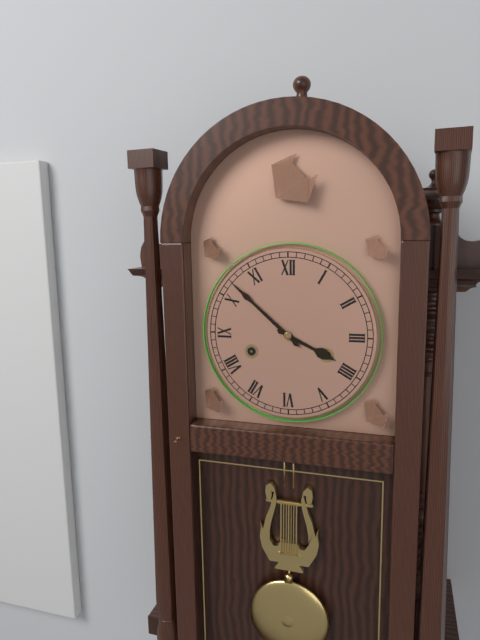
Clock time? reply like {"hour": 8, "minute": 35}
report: {"hour": 3, "minute": 52}
